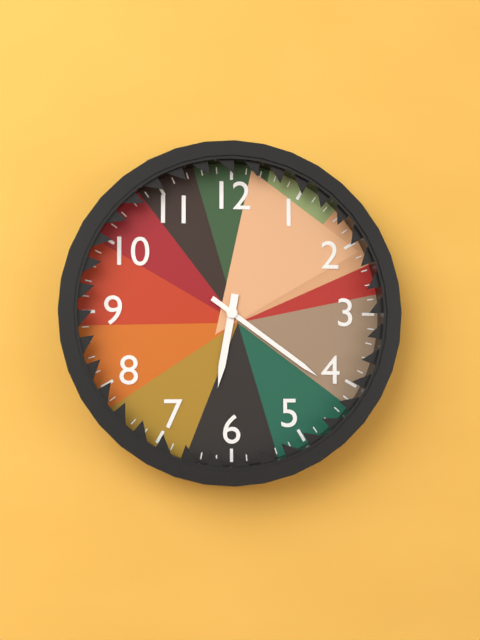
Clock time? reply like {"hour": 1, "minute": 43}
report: {"hour": 6, "minute": 21}
